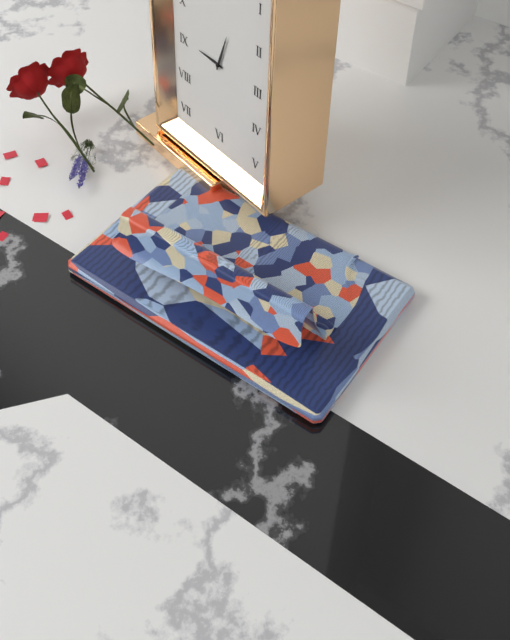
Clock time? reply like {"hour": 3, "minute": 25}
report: {"hour": 9, "minute": 3}
